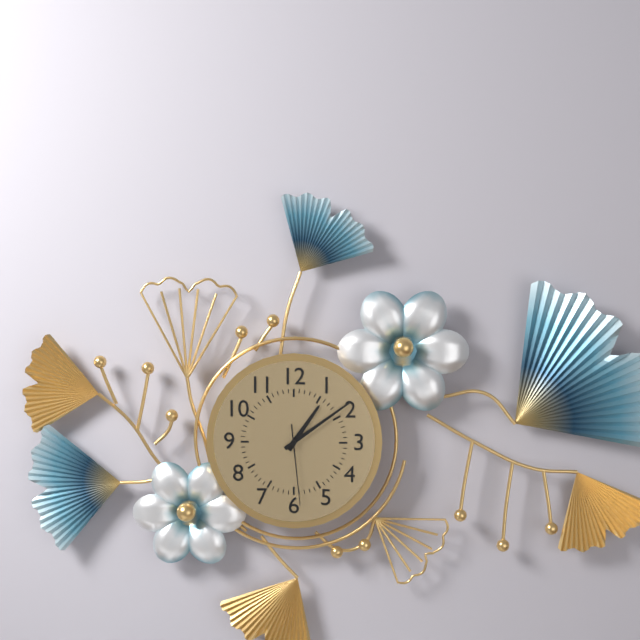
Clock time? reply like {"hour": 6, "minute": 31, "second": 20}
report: {"hour": 1, "minute": 9, "second": 29}
